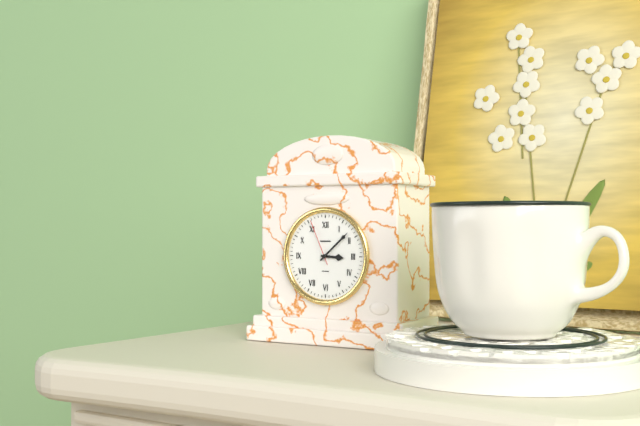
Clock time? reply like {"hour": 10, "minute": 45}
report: {"hour": 3, "minute": 8}
